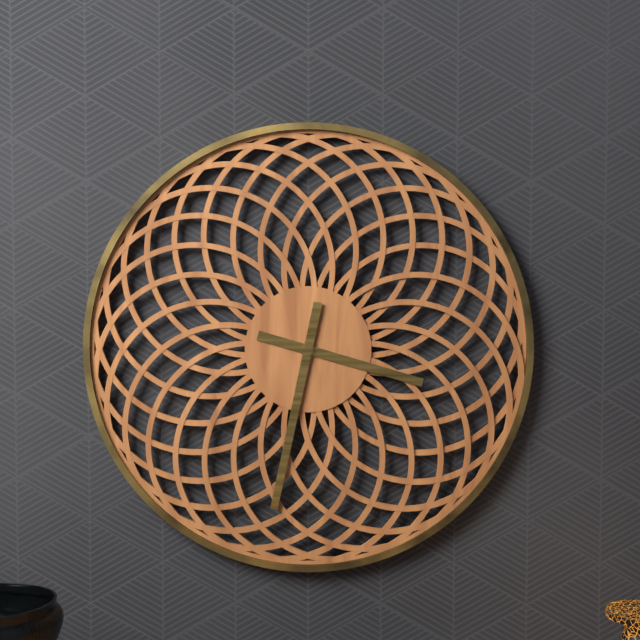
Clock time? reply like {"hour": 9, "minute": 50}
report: {"hour": 3, "minute": 32}
